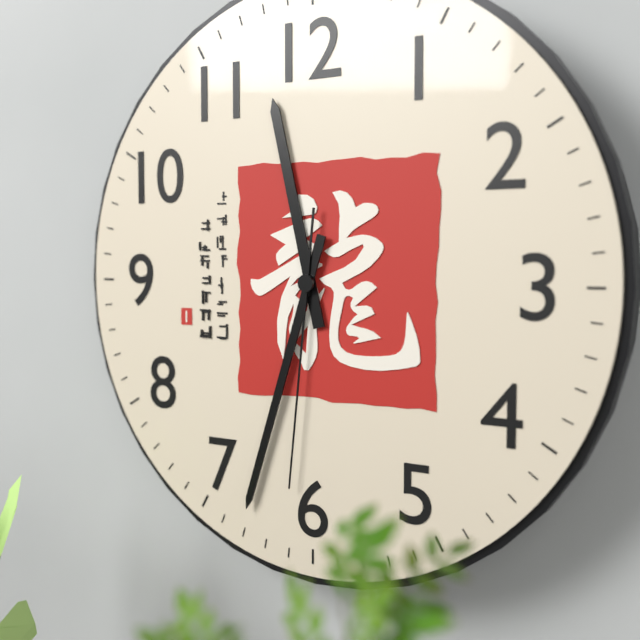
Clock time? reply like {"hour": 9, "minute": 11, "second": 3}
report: {"hour": 11, "minute": 33, "second": 31}
